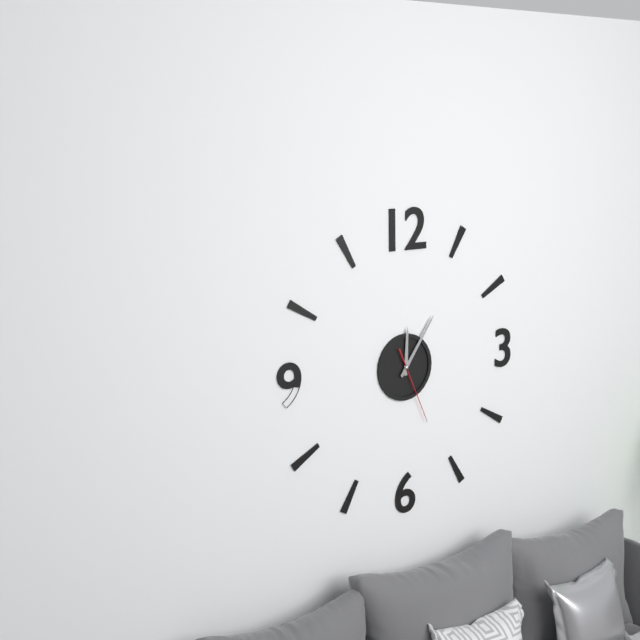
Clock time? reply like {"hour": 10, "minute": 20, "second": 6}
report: {"hour": 12, "minute": 6, "second": 26}
